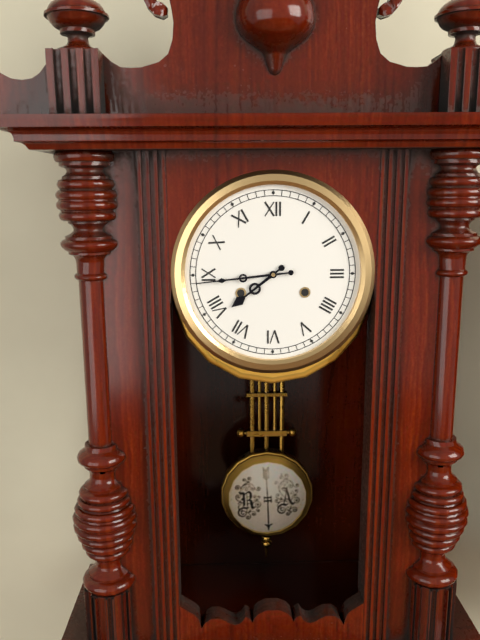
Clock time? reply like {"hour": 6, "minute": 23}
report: {"hour": 7, "minute": 44}
